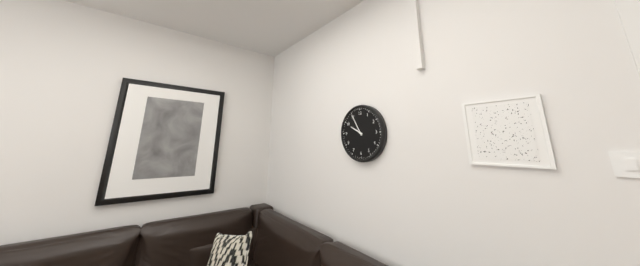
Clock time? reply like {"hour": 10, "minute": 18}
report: {"hour": 9, "minute": 55}
